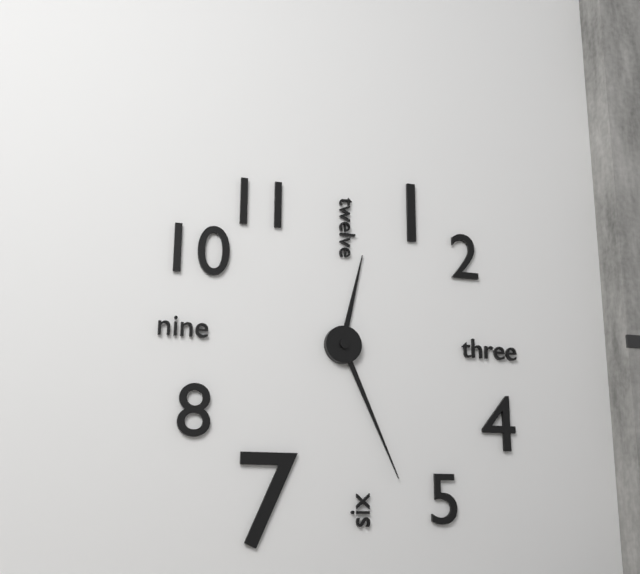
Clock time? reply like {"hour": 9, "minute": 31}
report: {"hour": 12, "minute": 26}
